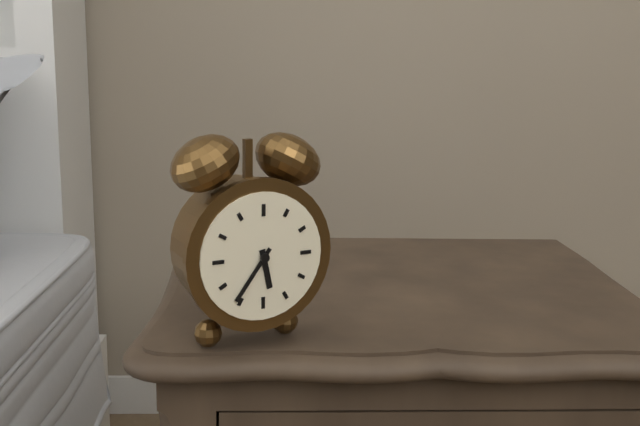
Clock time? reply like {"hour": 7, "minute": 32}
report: {"hour": 5, "minute": 36}
